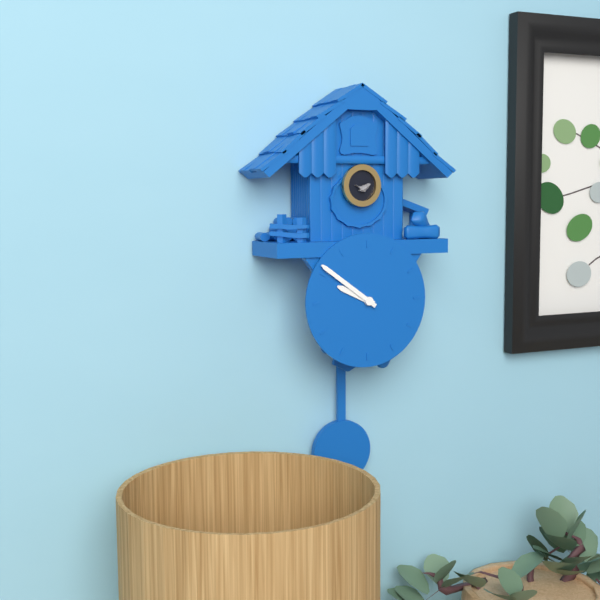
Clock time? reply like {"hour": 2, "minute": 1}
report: {"hour": 9, "minute": 51}
